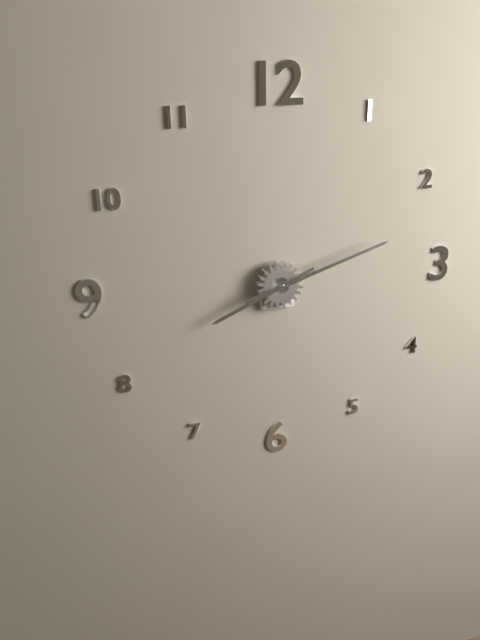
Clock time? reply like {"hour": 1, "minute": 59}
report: {"hour": 8, "minute": 12}
